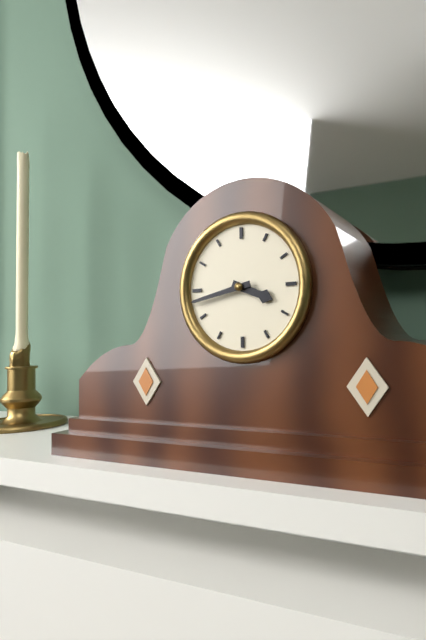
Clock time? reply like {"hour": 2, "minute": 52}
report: {"hour": 3, "minute": 43}
